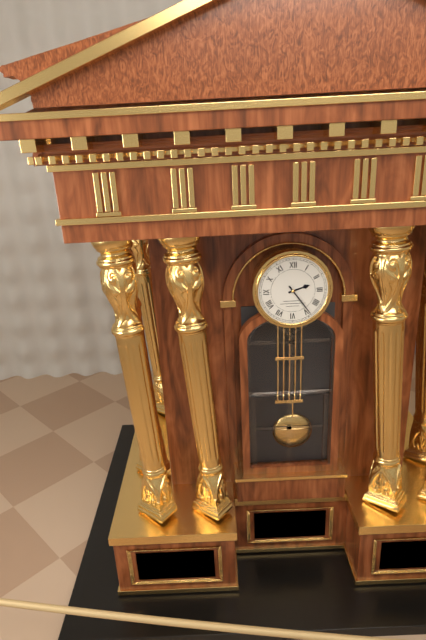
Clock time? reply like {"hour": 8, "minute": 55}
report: {"hour": 2, "minute": 24}
